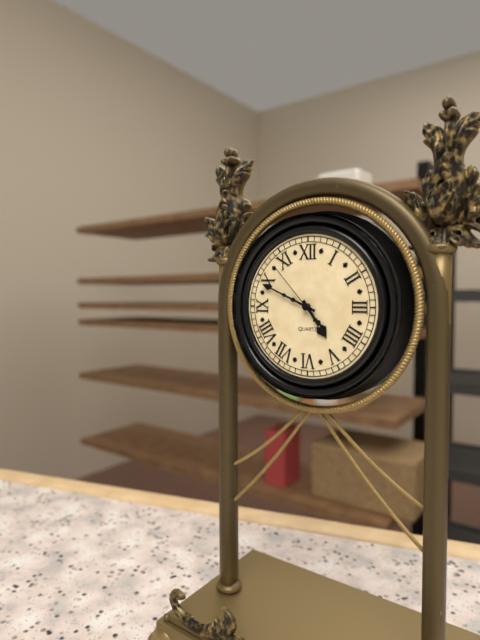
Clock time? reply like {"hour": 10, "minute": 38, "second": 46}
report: {"hour": 4, "minute": 49, "second": 53}
